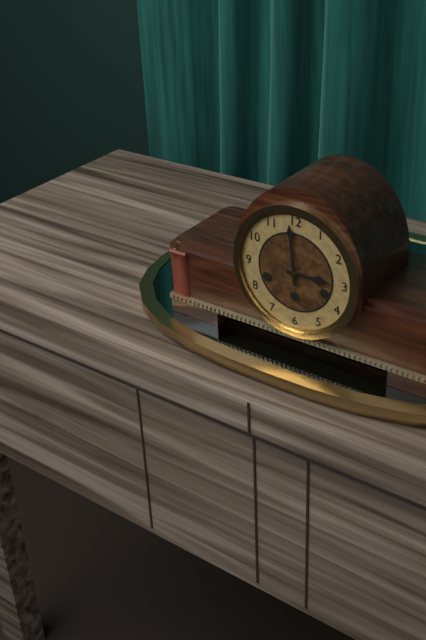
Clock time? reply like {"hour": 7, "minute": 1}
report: {"hour": 2, "minute": 59}
